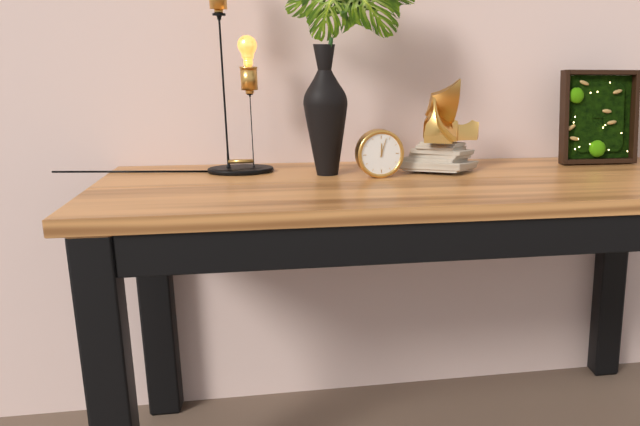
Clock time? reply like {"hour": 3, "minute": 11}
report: {"hour": 12, "minute": 3}
